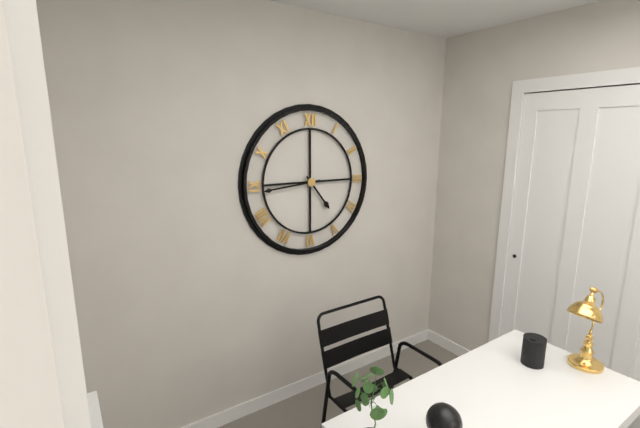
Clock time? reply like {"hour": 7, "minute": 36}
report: {"hour": 4, "minute": 44}
